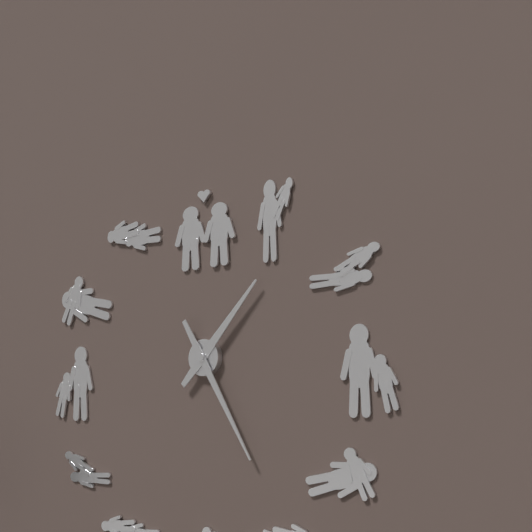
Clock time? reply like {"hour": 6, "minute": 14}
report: {"hour": 1, "minute": 25}
